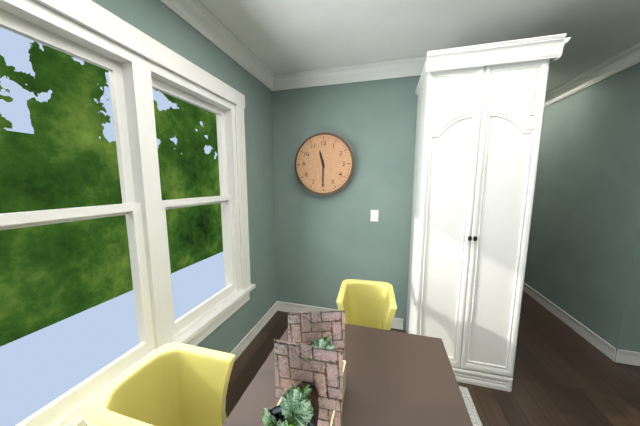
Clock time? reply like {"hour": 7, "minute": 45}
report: {"hour": 11, "minute": 30}
